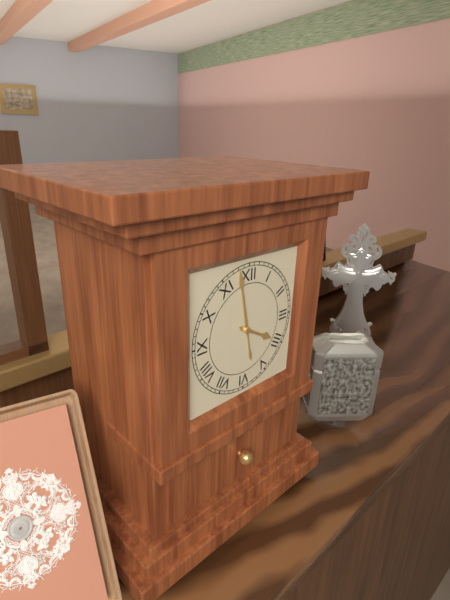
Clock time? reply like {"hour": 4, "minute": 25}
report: {"hour": 3, "minute": 58}
